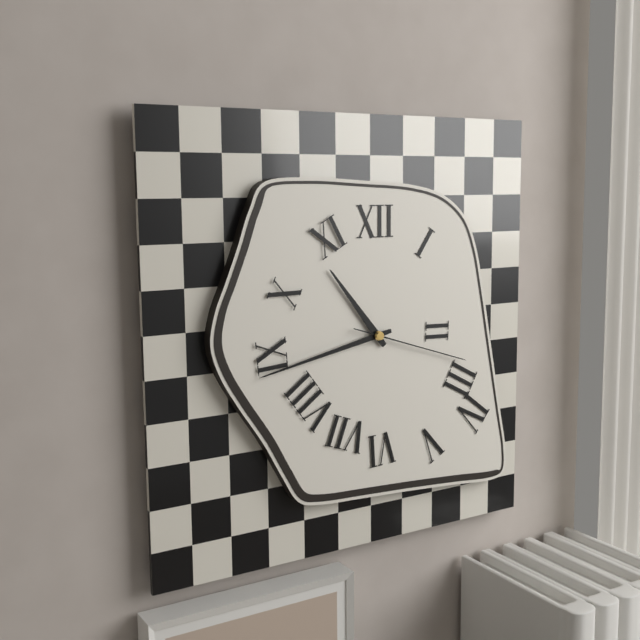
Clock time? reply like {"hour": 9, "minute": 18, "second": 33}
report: {"hour": 10, "minute": 43, "second": 18}
